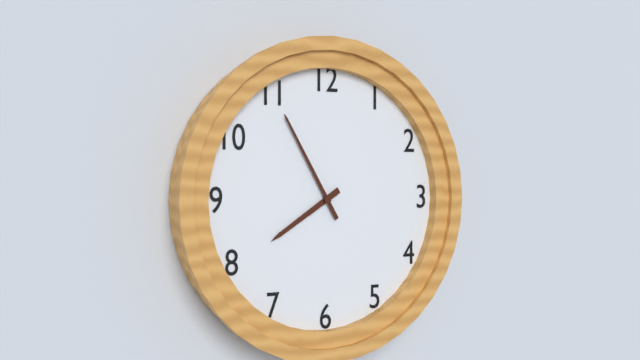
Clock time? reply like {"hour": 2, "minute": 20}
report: {"hour": 7, "minute": 55}
